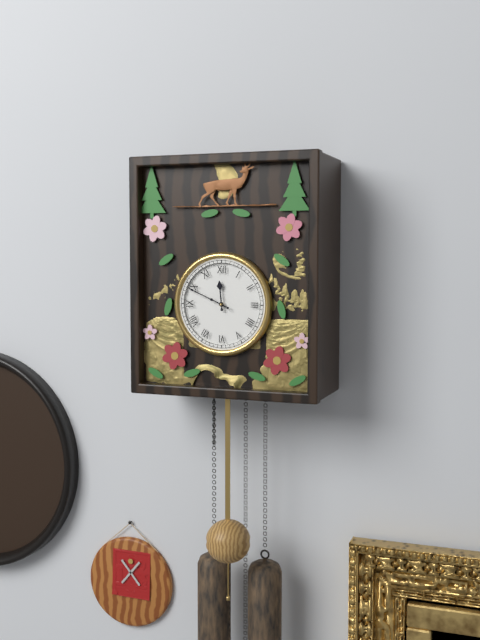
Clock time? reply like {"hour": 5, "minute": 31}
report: {"hour": 11, "minute": 49}
